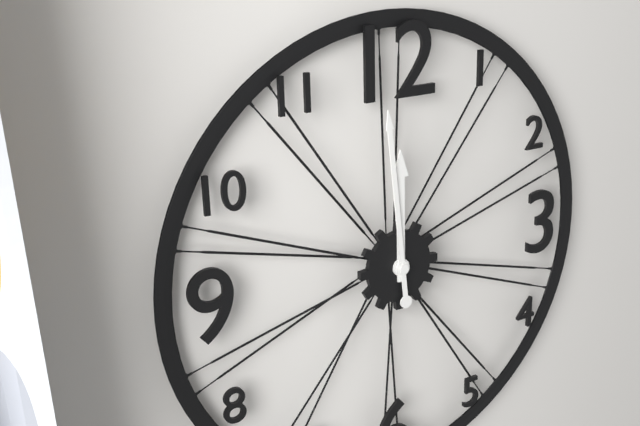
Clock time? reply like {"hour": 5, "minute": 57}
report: {"hour": 11, "minute": 59}
